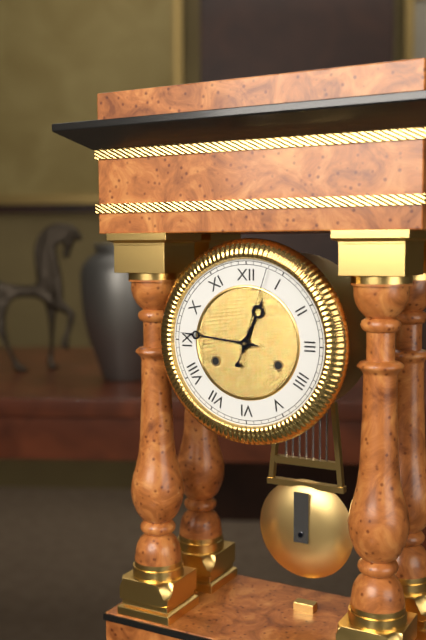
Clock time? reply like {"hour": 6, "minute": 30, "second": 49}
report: {"hour": 12, "minute": 46, "second": 3}
